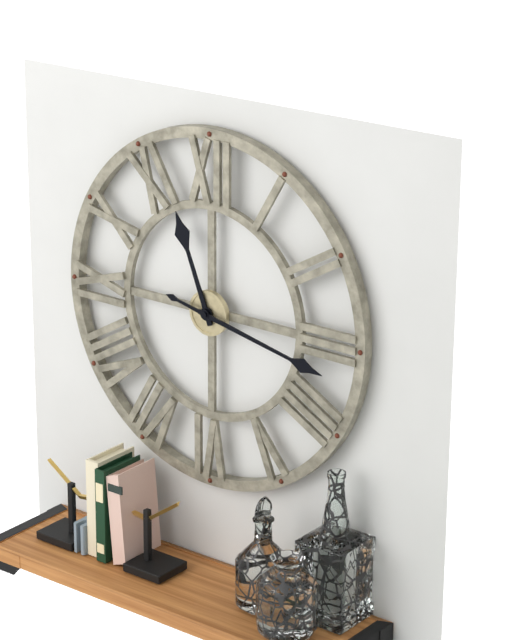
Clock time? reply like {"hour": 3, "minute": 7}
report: {"hour": 11, "minute": 17}
